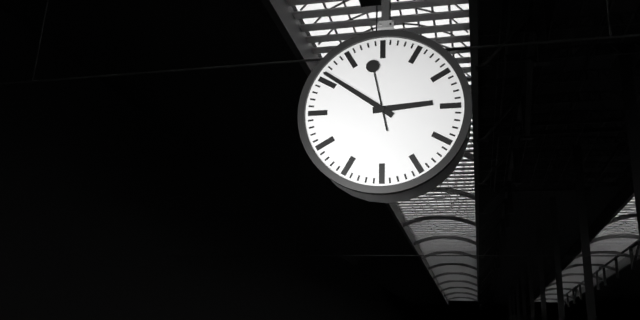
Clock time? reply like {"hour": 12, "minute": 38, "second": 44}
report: {"hour": 2, "minute": 51, "second": 58}
